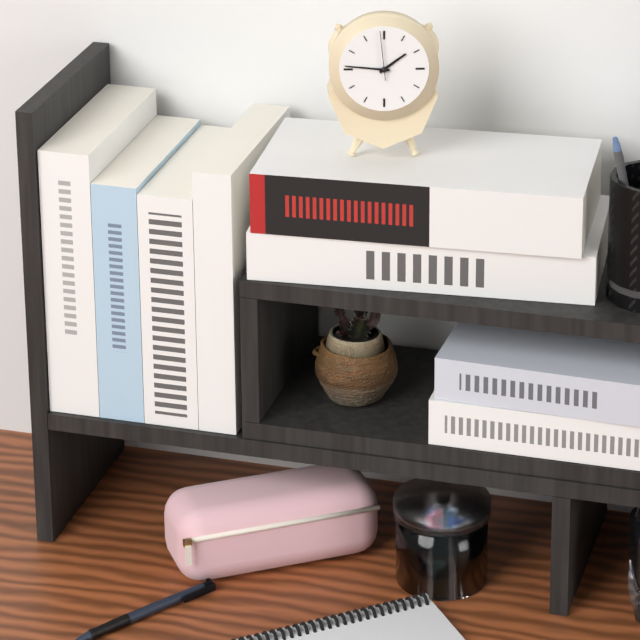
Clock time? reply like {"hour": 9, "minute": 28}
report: {"hour": 1, "minute": 46}
